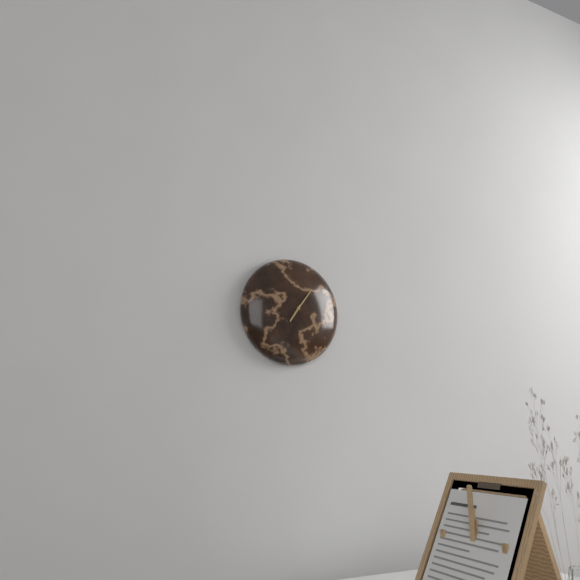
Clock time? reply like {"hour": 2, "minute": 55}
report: {"hour": 7, "minute": 6}
